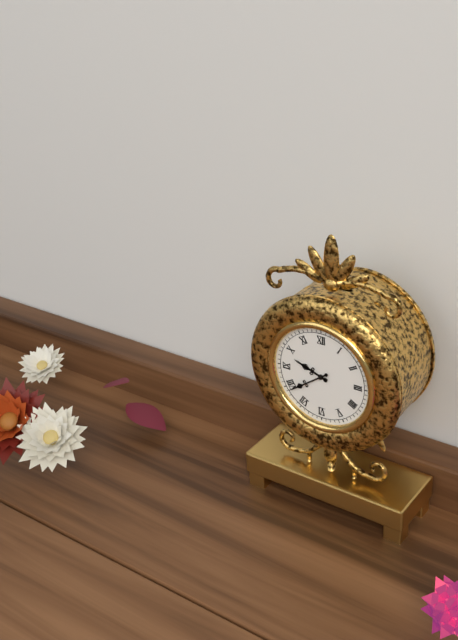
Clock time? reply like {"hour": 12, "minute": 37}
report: {"hour": 9, "minute": 39}
